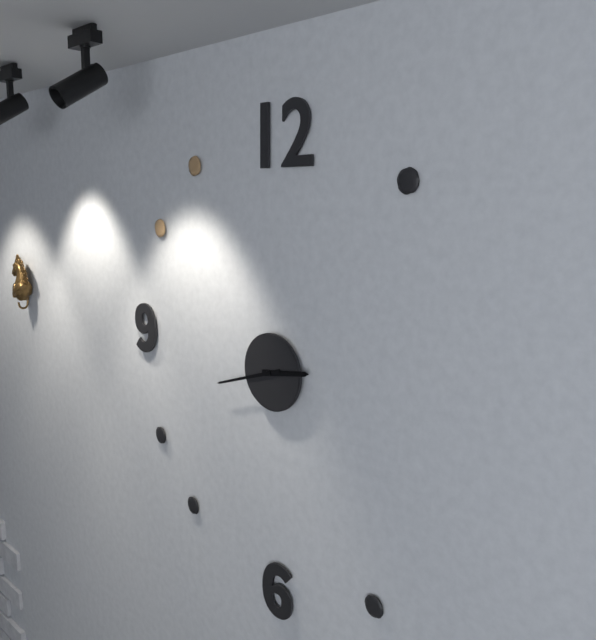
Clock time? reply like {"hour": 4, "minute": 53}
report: {"hour": 2, "minute": 42}
